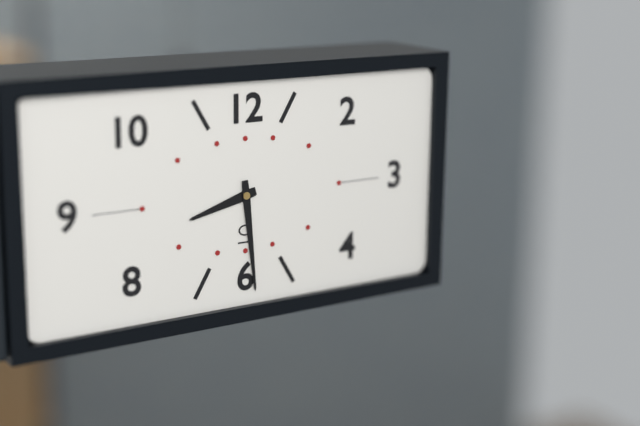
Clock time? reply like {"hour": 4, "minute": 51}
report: {"hour": 8, "minute": 29}
